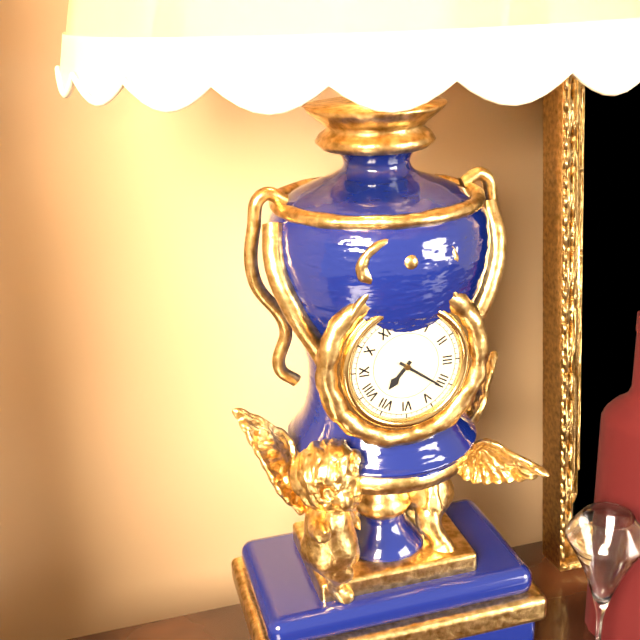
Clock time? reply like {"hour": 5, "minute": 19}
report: {"hour": 7, "minute": 21}
